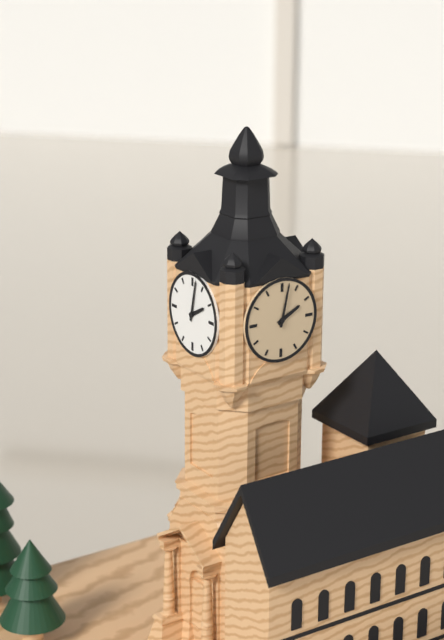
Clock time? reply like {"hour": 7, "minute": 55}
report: {"hour": 2, "minute": 2}
